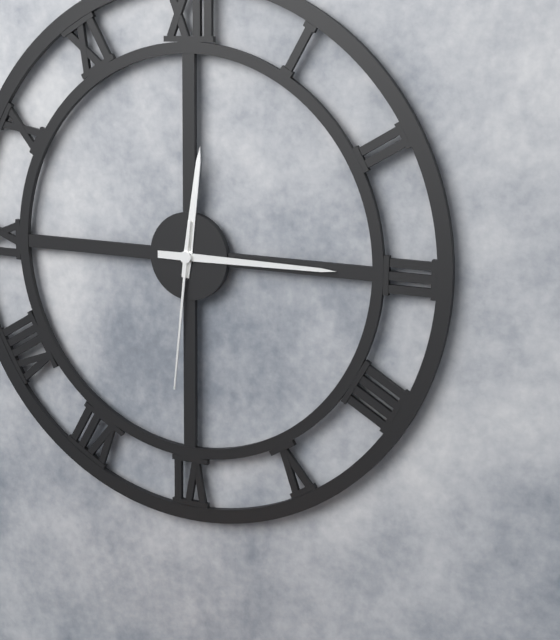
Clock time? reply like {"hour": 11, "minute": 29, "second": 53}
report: {"hour": 12, "minute": 15, "second": 31}
